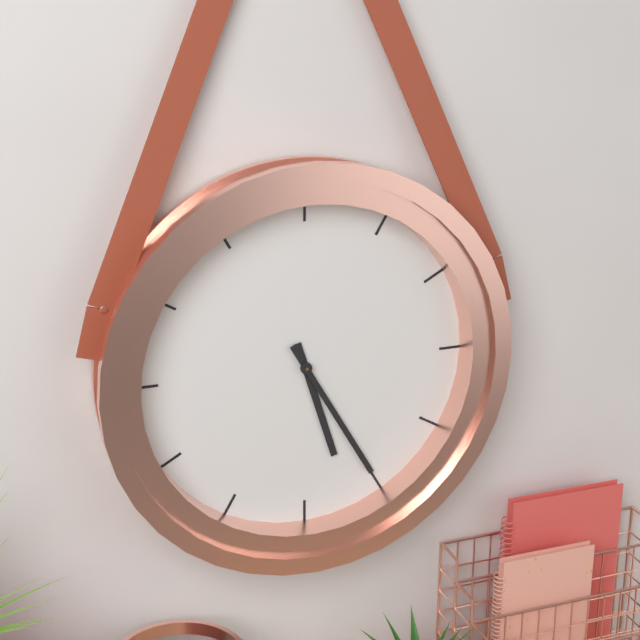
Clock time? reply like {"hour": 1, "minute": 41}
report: {"hour": 5, "minute": 25}
